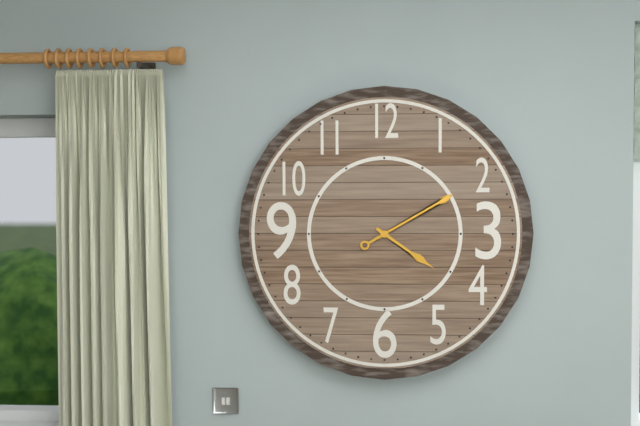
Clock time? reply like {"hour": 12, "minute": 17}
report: {"hour": 4, "minute": 10}
